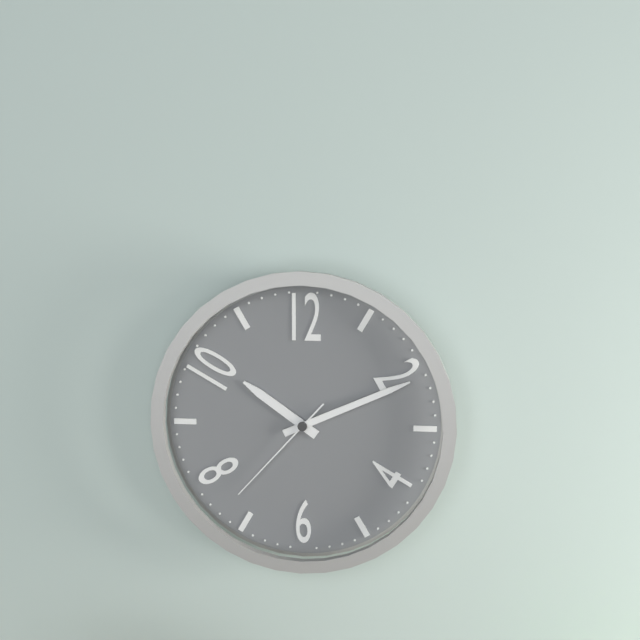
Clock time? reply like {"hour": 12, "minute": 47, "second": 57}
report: {"hour": 10, "minute": 11, "second": 37}
